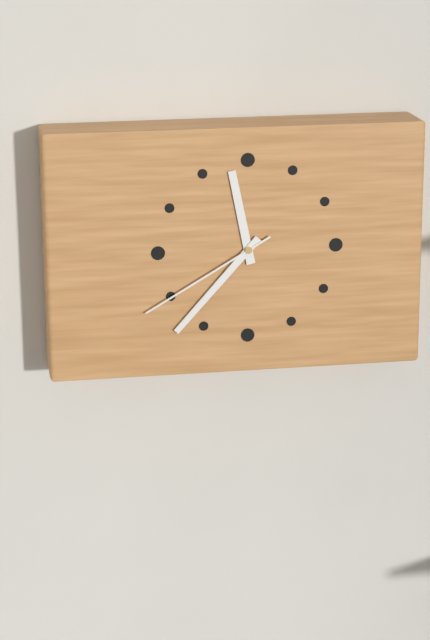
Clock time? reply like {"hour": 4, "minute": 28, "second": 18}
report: {"hour": 11, "minute": 37, "second": 40}
